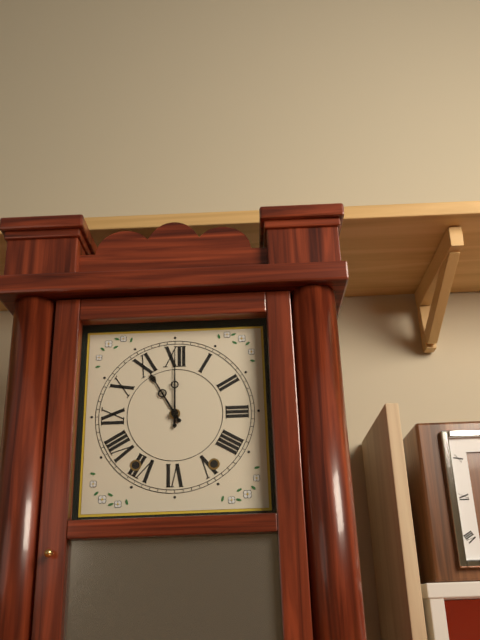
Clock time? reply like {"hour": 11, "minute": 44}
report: {"hour": 11, "minute": 0}
